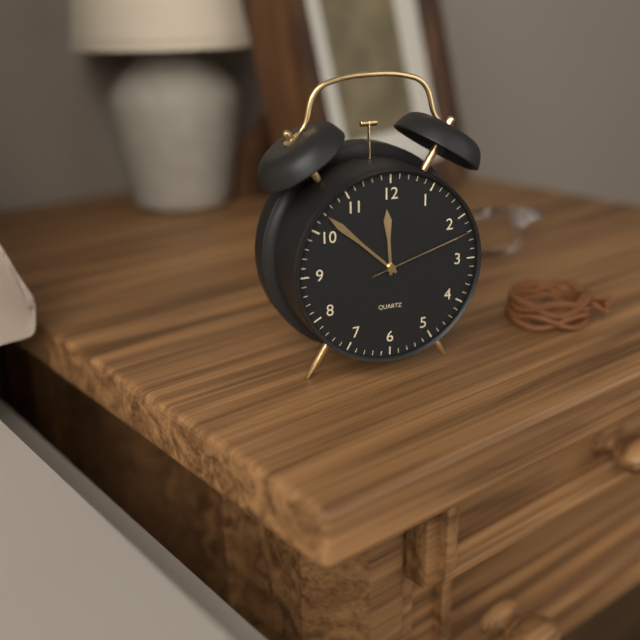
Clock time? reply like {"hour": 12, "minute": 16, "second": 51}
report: {"hour": 11, "minute": 52, "second": 12}
